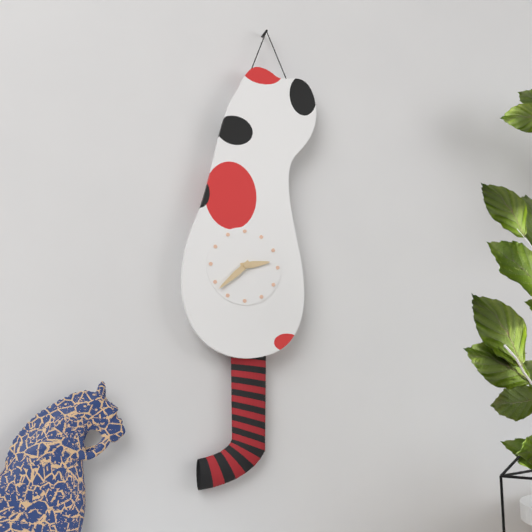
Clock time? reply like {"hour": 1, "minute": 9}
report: {"hour": 2, "minute": 38}
